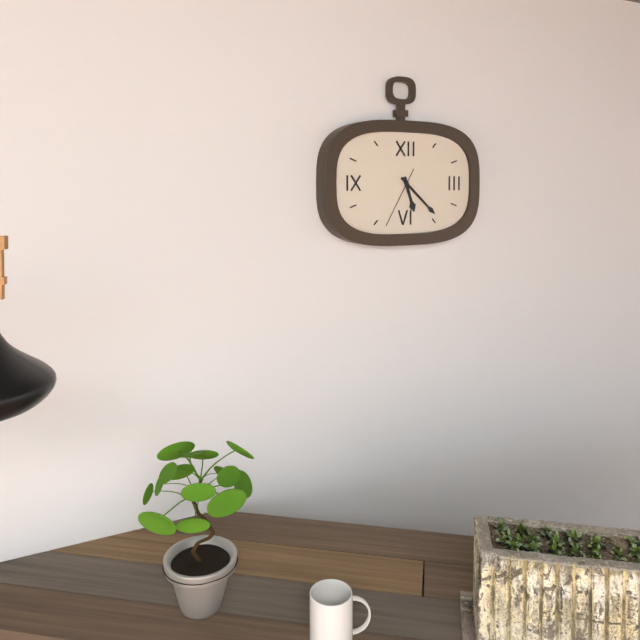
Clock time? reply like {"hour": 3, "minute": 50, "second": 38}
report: {"hour": 5, "minute": 22, "second": 35}
